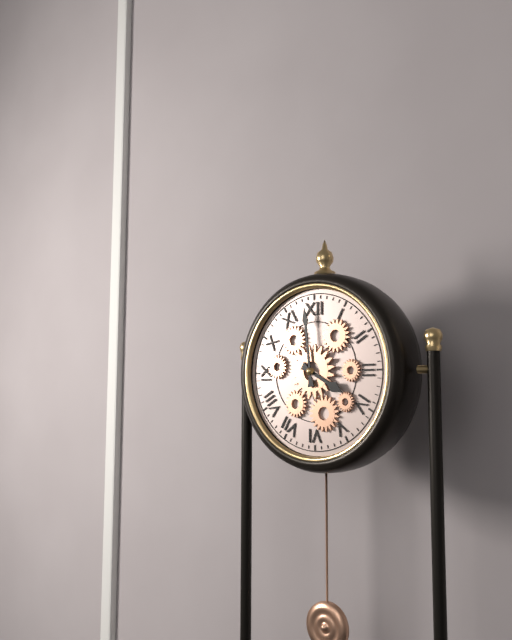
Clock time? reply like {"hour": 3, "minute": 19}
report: {"hour": 3, "minute": 59}
